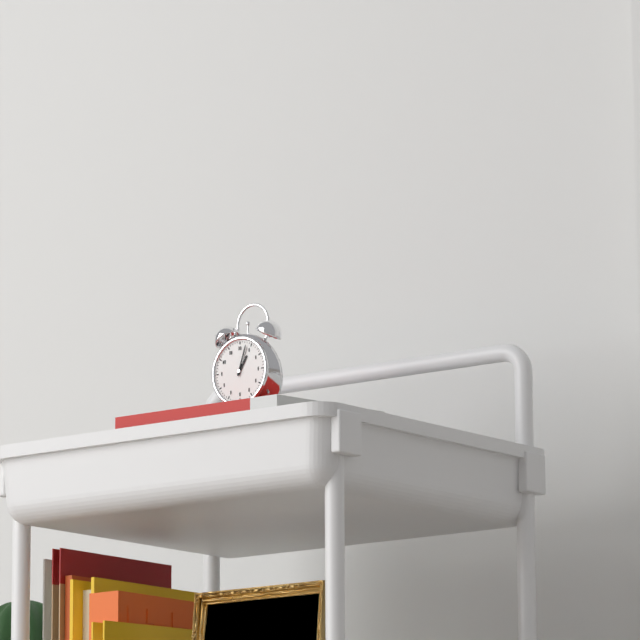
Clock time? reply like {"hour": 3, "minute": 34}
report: {"hour": 1, "minute": 3}
